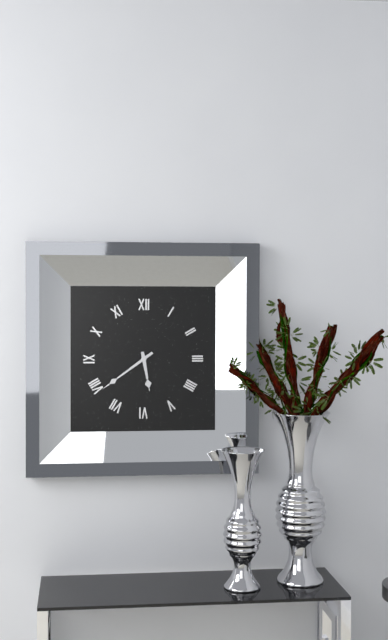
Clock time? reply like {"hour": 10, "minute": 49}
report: {"hour": 5, "minute": 39}
